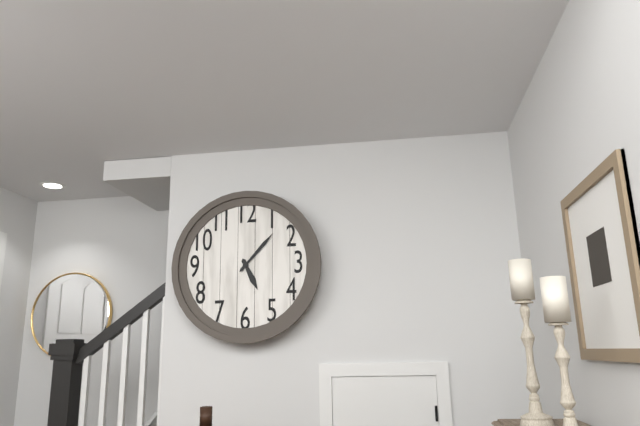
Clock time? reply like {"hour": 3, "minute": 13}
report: {"hour": 5, "minute": 7}
